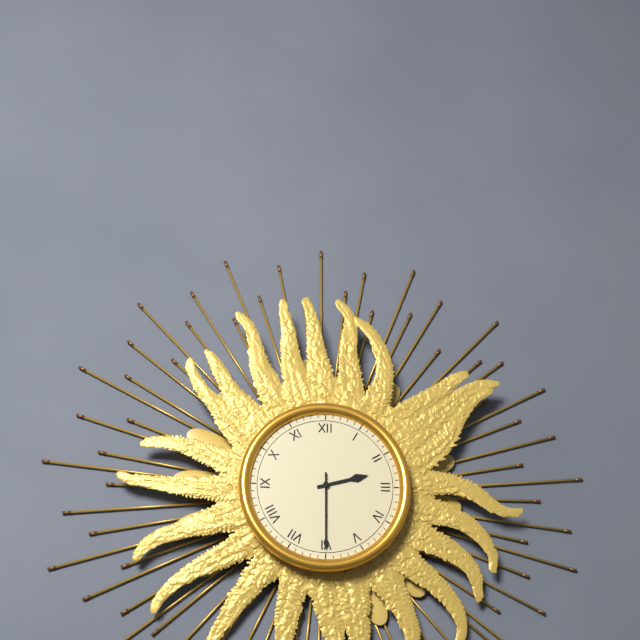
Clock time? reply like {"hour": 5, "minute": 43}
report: {"hour": 2, "minute": 30}
